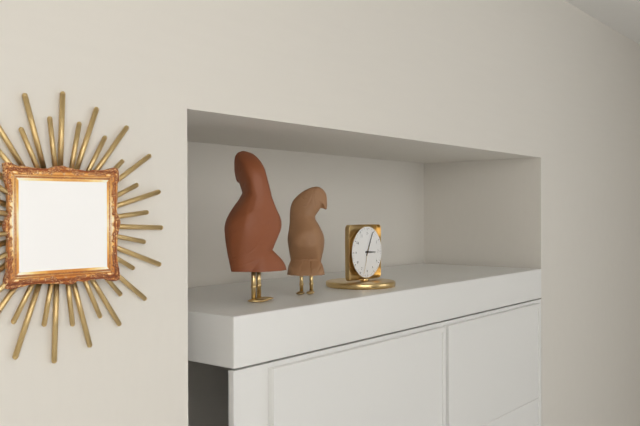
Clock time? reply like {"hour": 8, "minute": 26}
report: {"hour": 3, "minute": 4}
